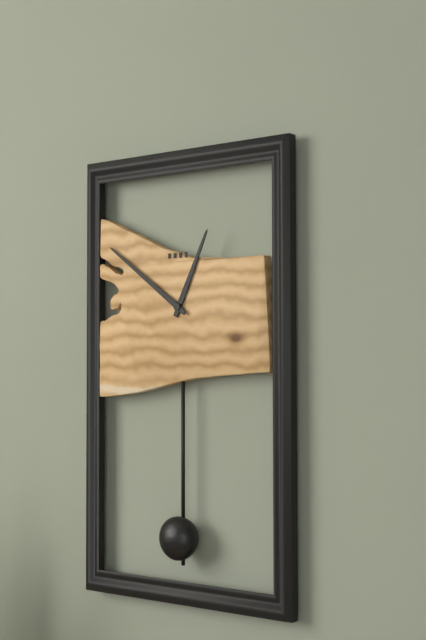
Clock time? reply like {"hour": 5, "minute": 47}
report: {"hour": 12, "minute": 51}
